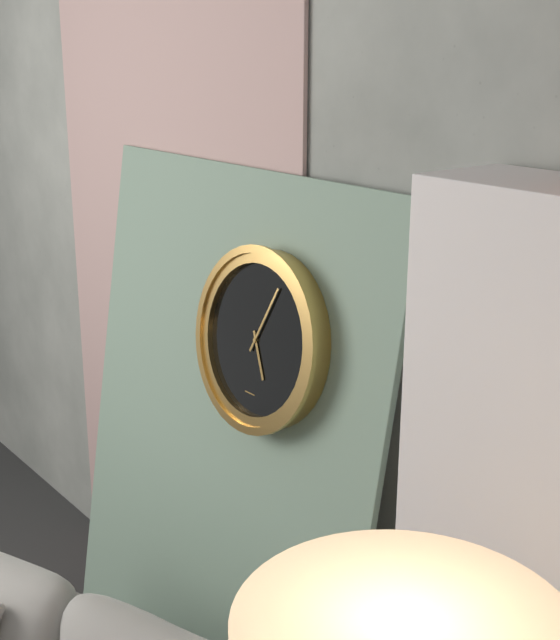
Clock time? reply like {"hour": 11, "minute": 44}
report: {"hour": 5, "minute": 4}
